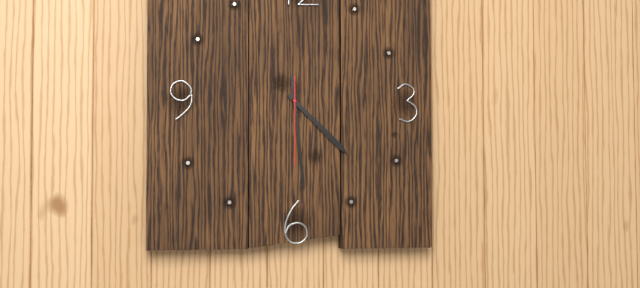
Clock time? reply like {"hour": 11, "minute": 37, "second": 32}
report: {"hour": 4, "minute": 29, "second": 30}
